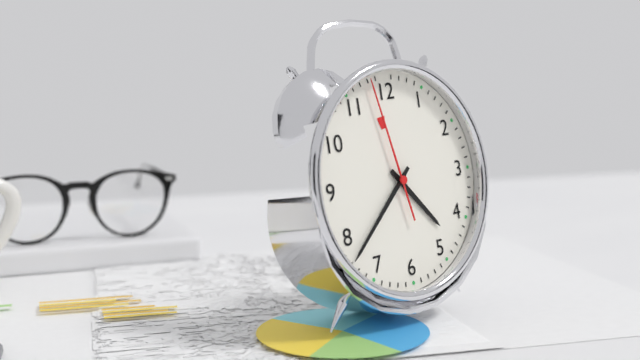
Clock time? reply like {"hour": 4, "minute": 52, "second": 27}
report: {"hour": 4, "minute": 38, "second": 58}
